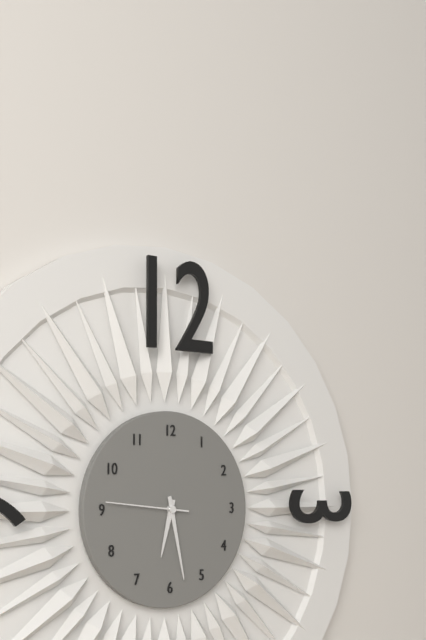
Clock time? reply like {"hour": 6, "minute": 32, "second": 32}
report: {"hour": 6, "minute": 28, "second": 46}
